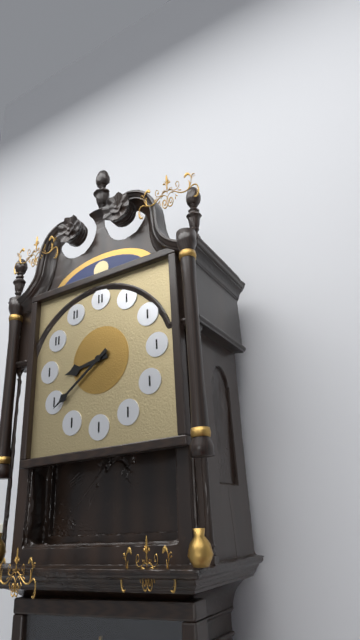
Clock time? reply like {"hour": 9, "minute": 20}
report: {"hour": 8, "minute": 39}
